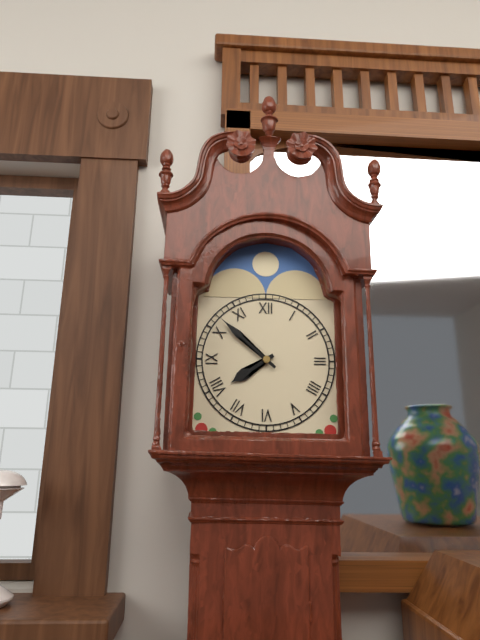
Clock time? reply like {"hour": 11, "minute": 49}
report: {"hour": 7, "minute": 52}
